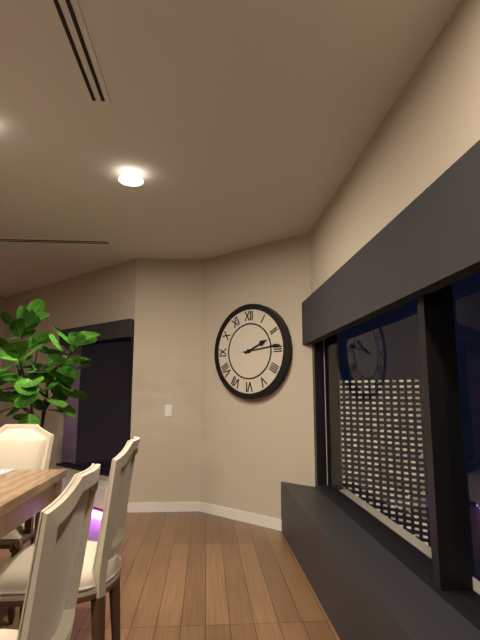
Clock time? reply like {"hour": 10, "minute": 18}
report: {"hour": 2, "minute": 14}
